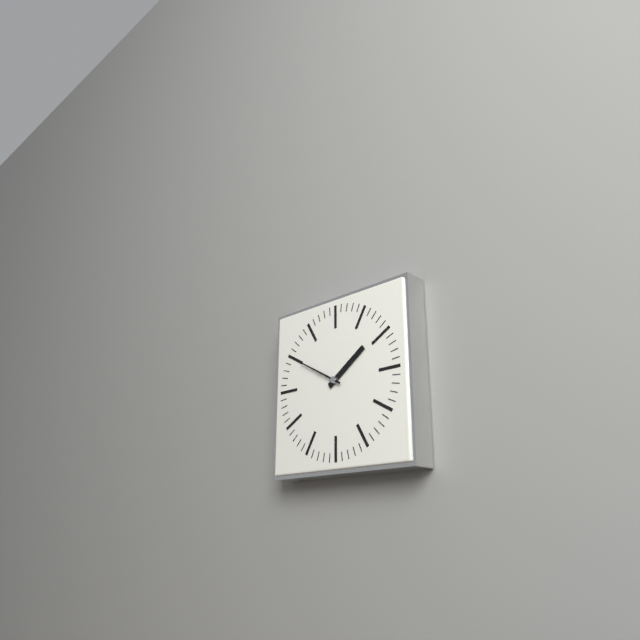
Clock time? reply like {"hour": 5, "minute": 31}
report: {"hour": 1, "minute": 50}
